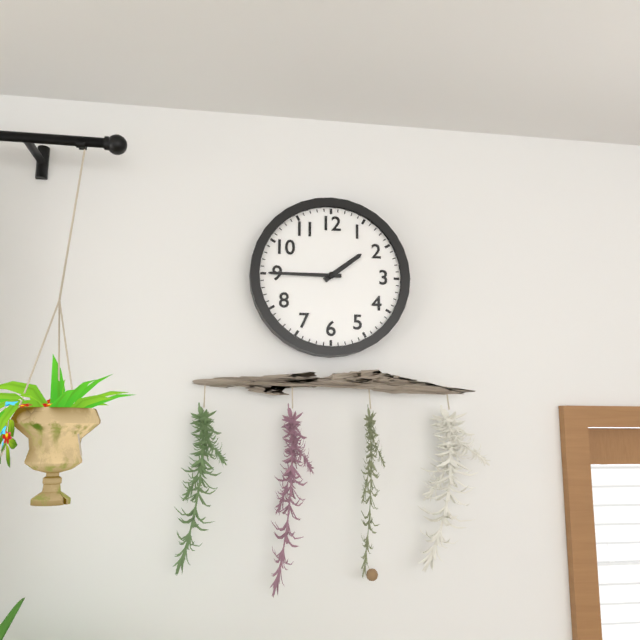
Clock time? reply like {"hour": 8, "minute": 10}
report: {"hour": 1, "minute": 45}
